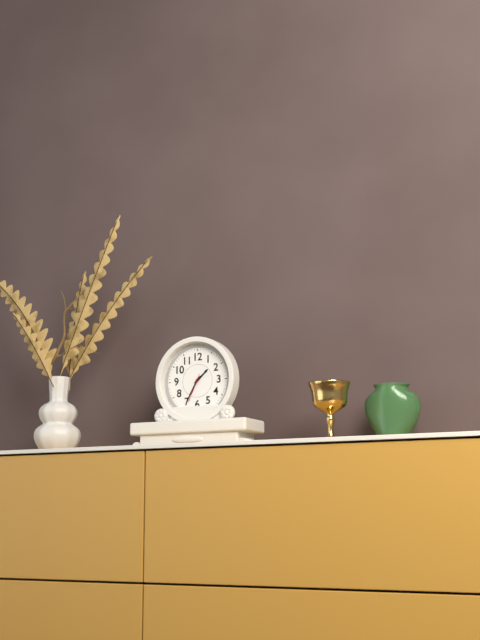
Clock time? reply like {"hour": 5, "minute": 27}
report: {"hour": 1, "minute": 35}
